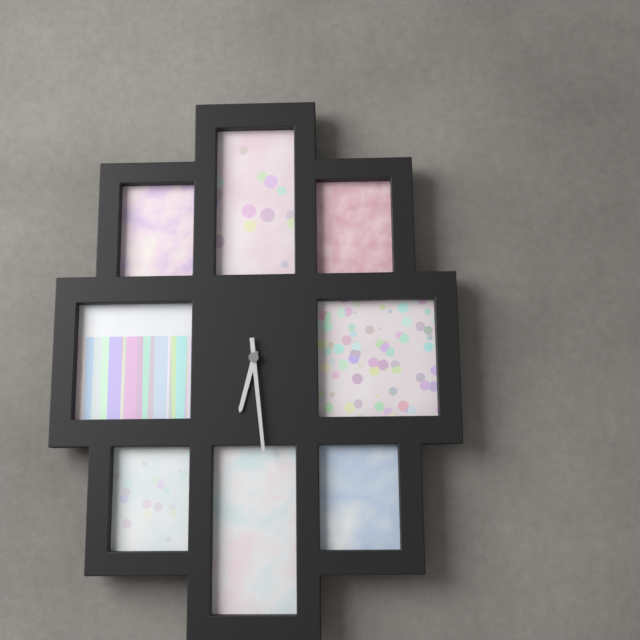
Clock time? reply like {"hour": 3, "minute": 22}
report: {"hour": 6, "minute": 29}
